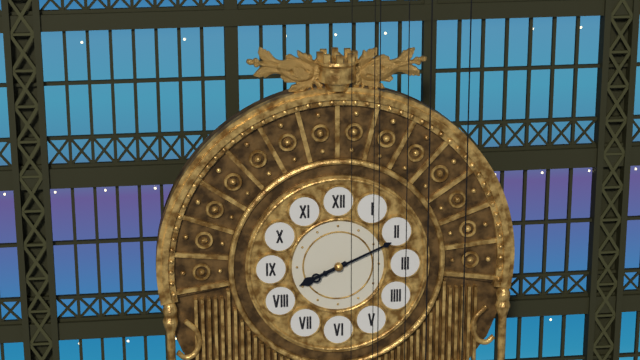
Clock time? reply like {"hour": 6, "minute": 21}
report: {"hour": 8, "minute": 11}
